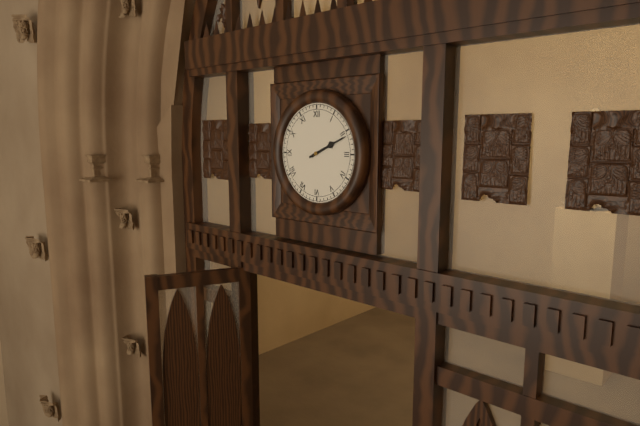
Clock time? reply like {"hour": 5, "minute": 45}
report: {"hour": 2, "minute": 11}
